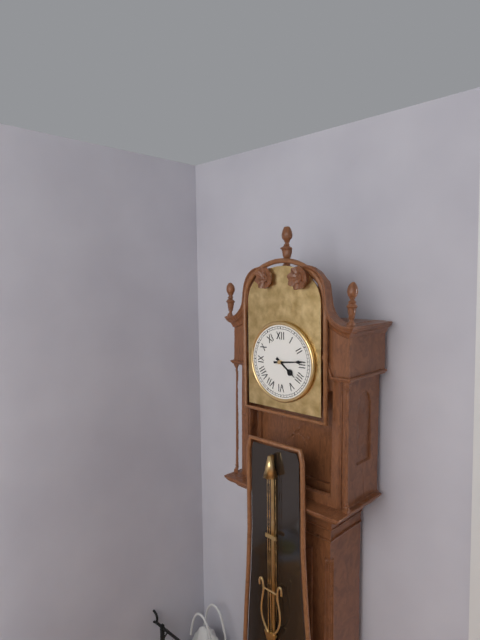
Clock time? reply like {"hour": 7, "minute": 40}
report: {"hour": 4, "minute": 14}
